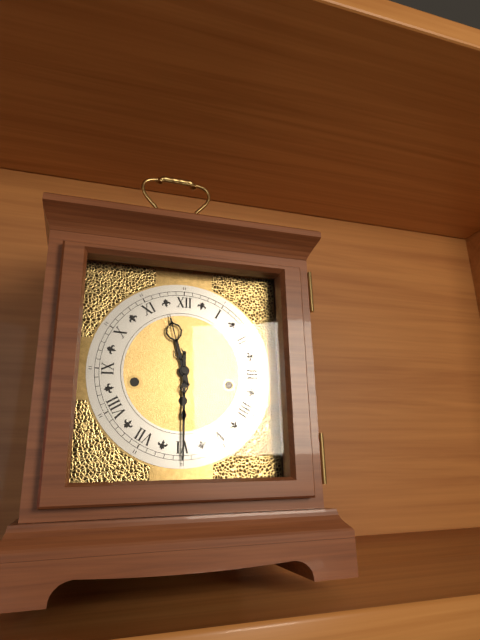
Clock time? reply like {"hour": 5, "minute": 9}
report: {"hour": 11, "minute": 30}
